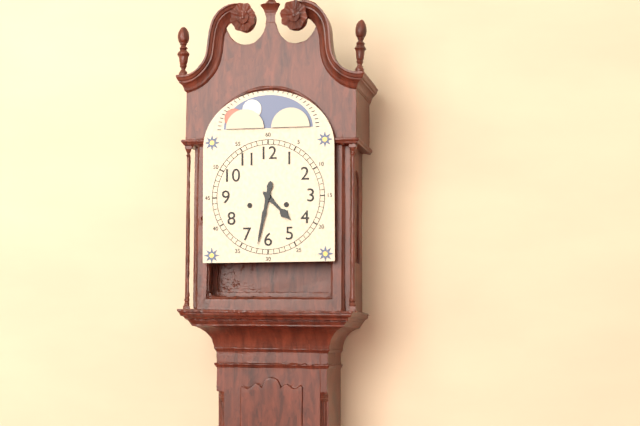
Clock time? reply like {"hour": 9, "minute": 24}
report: {"hour": 4, "minute": 32}
